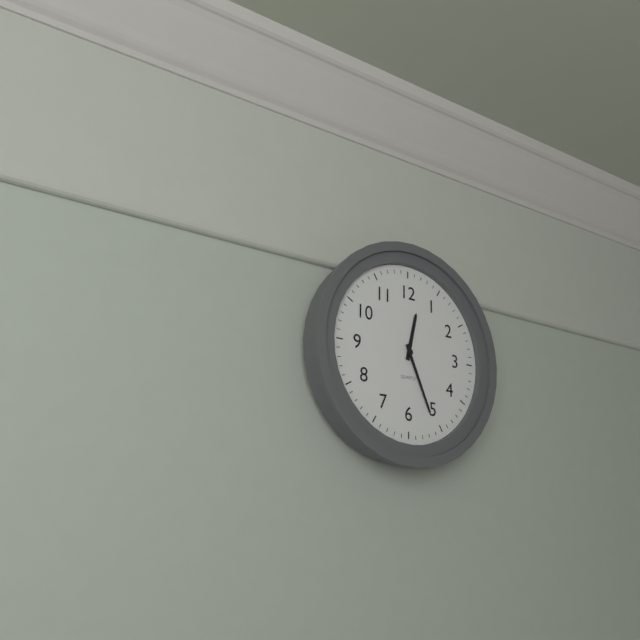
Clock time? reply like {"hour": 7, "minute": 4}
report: {"hour": 12, "minute": 26}
